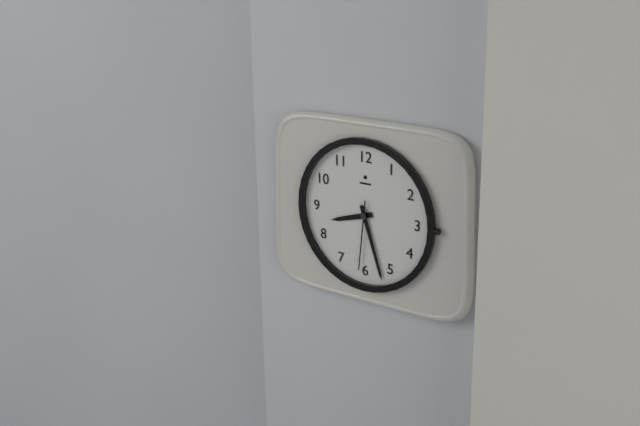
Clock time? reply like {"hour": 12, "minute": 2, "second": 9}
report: {"hour": 8, "minute": 27, "second": 31}
